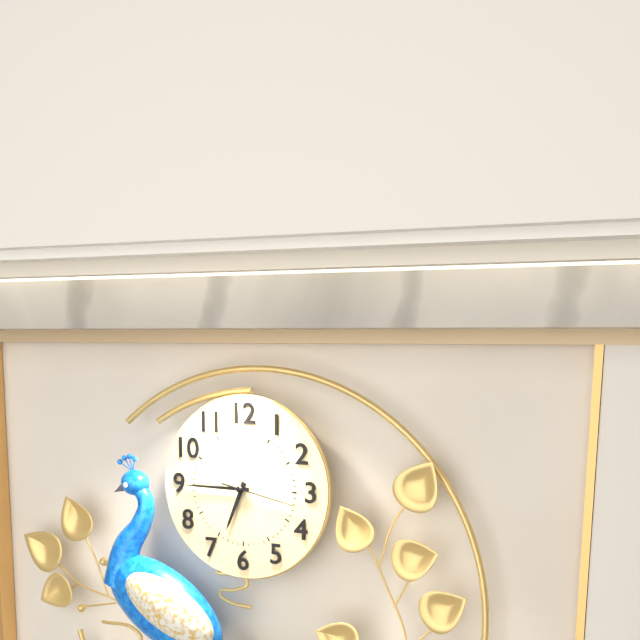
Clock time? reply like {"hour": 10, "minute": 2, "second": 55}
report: {"hour": 6, "minute": 45, "second": 17}
